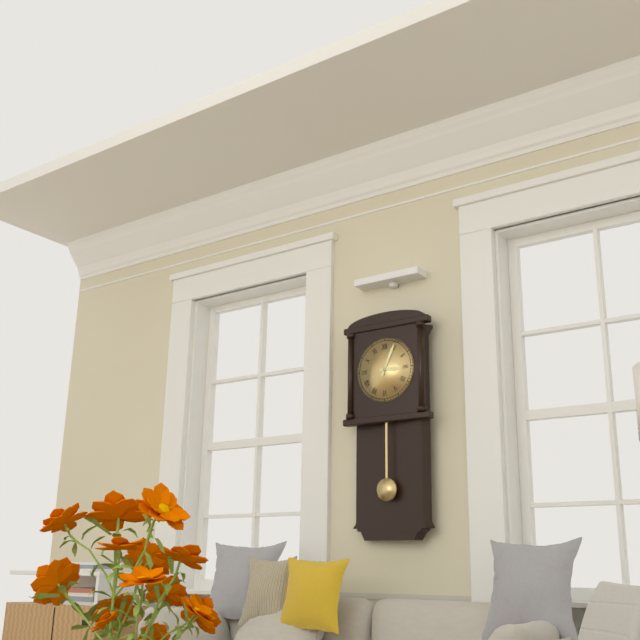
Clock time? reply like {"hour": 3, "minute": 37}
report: {"hour": 3, "minute": 4}
